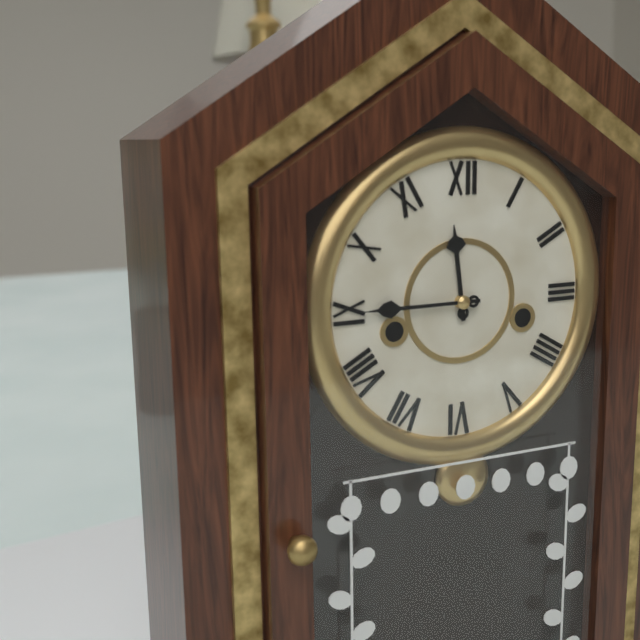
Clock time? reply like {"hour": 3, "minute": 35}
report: {"hour": 11, "minute": 45}
